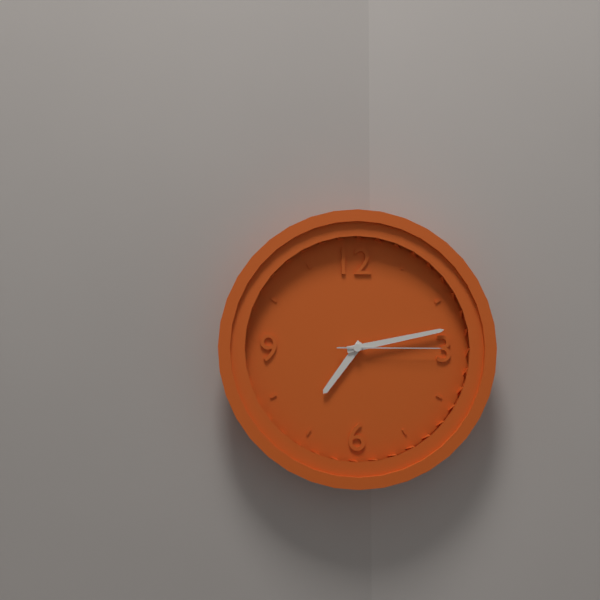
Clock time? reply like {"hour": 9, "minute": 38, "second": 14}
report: {"hour": 7, "minute": 13, "second": 15}
